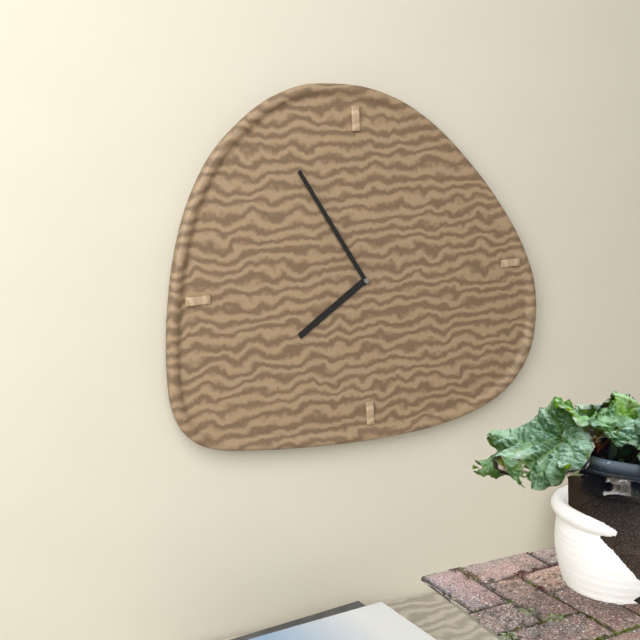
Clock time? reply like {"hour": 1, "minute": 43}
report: {"hour": 7, "minute": 55}
